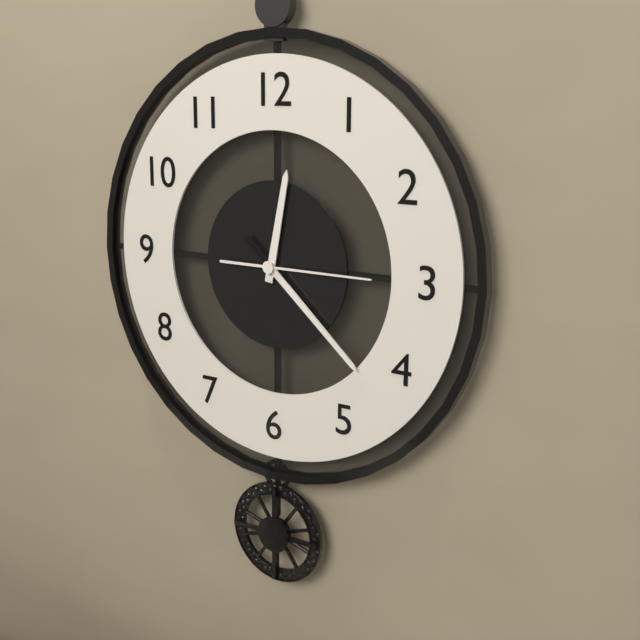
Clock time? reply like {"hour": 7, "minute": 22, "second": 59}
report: {"hour": 12, "minute": 22, "second": 15}
